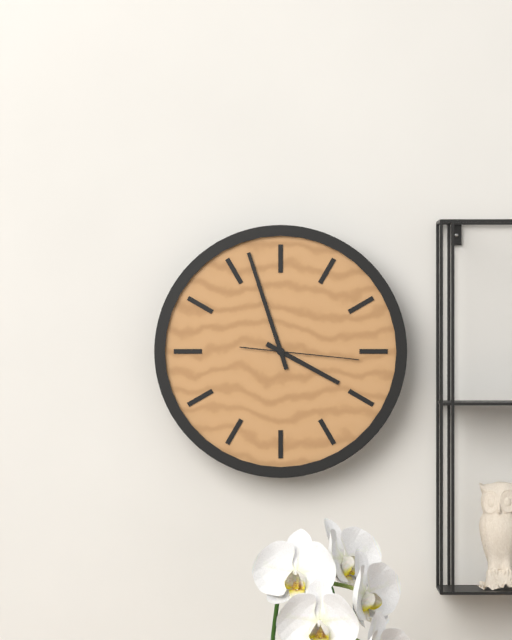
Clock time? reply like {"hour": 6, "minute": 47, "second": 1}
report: {"hour": 3, "minute": 57, "second": 16}
